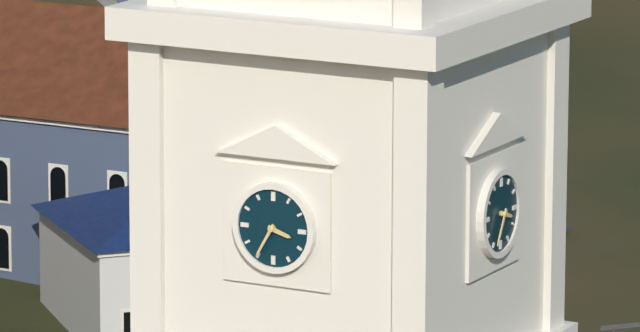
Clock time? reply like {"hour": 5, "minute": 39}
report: {"hour": 3, "minute": 35}
